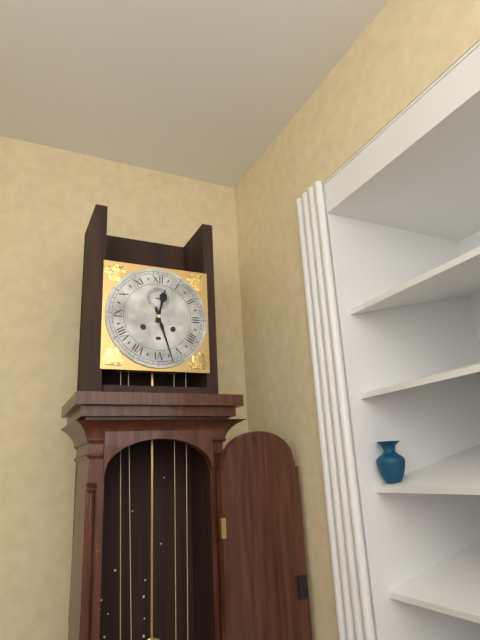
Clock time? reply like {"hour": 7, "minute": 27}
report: {"hour": 12, "minute": 27}
